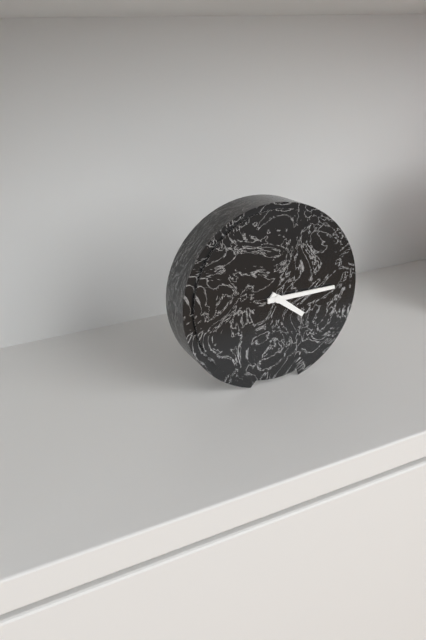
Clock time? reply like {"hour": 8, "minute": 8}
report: {"hour": 4, "minute": 15}
